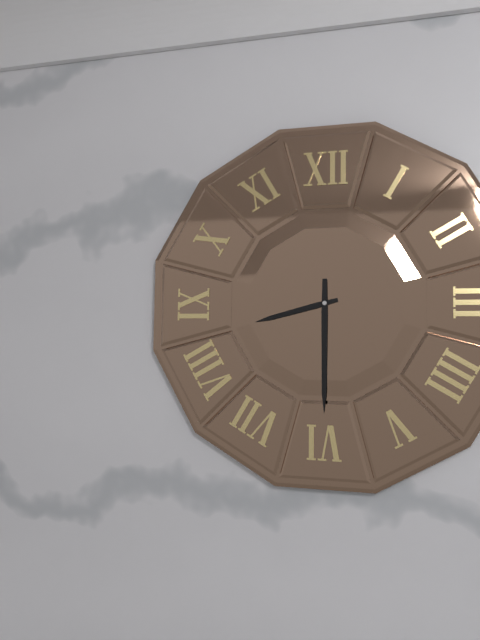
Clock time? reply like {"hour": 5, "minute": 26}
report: {"hour": 8, "minute": 30}
